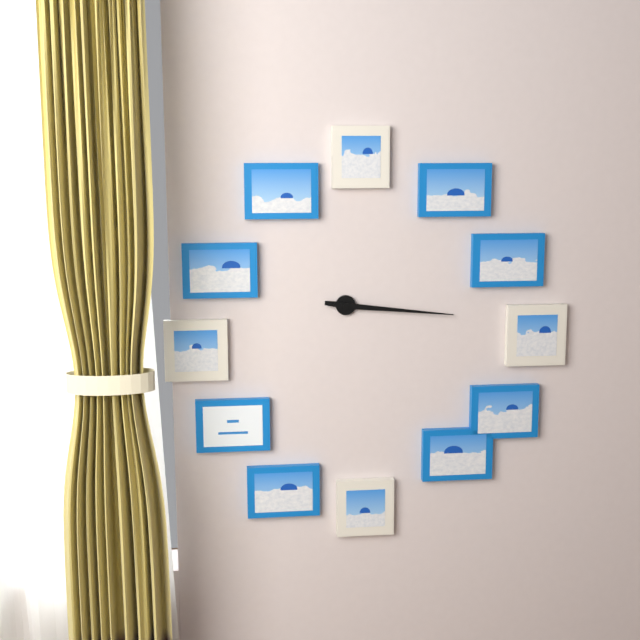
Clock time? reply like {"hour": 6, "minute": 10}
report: {"hour": 3, "minute": 16}
